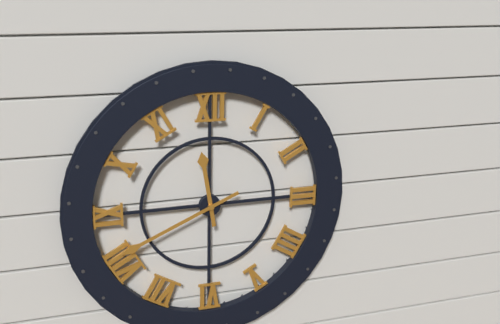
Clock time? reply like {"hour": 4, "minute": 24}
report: {"hour": 11, "minute": 41}
